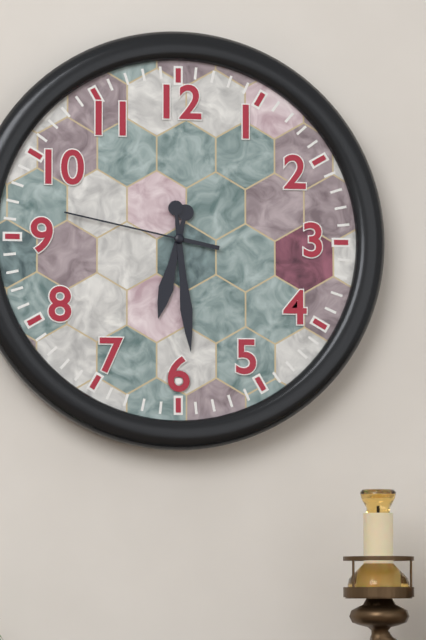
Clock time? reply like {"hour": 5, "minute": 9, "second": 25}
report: {"hour": 6, "minute": 29, "second": 47}
